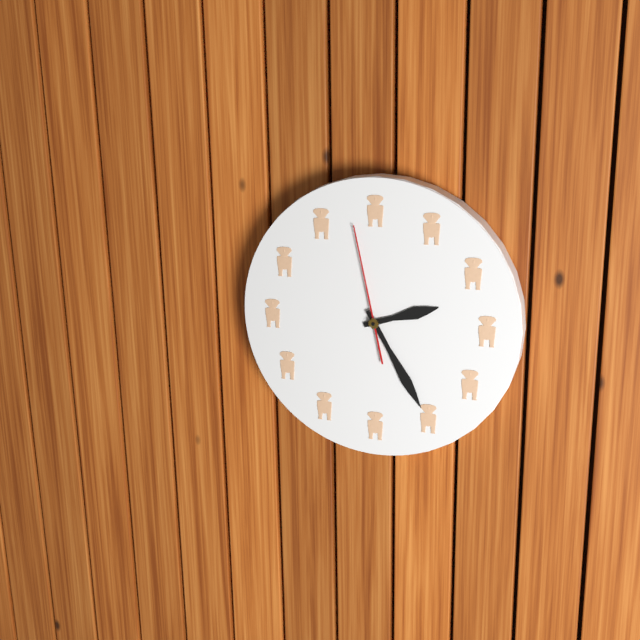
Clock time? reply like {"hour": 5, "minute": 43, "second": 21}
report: {"hour": 2, "minute": 25, "second": 58}
